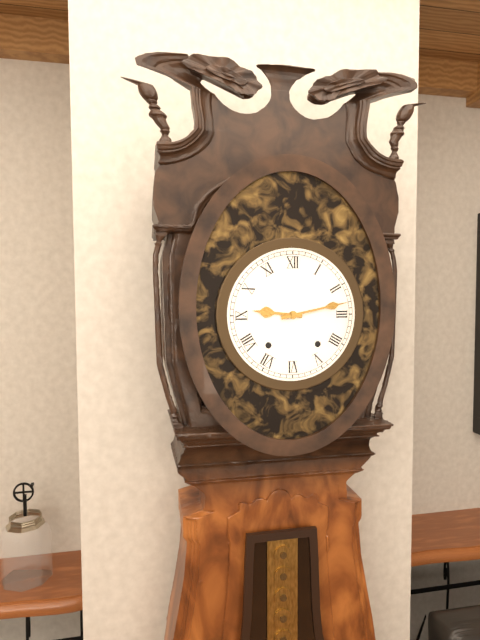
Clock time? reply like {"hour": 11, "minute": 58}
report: {"hour": 9, "minute": 13}
